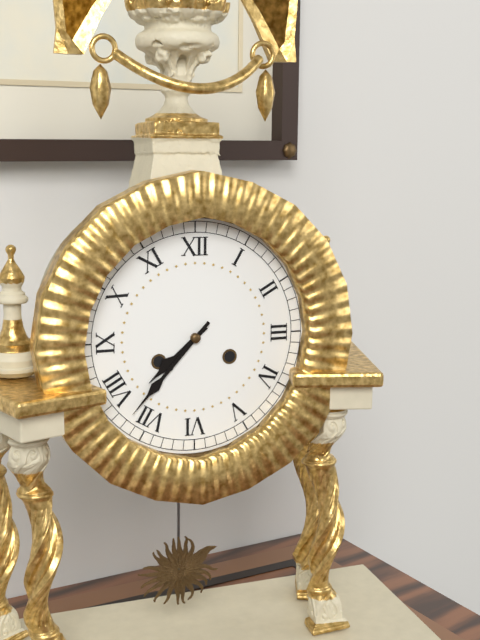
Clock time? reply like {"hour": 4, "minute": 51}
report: {"hour": 7, "minute": 37}
